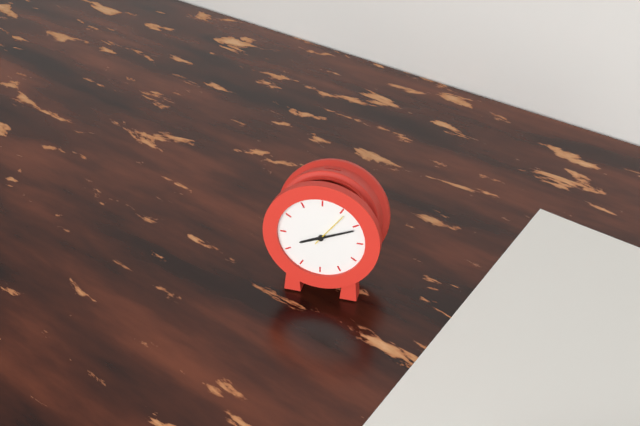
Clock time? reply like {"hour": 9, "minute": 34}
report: {"hour": 8, "minute": 11}
